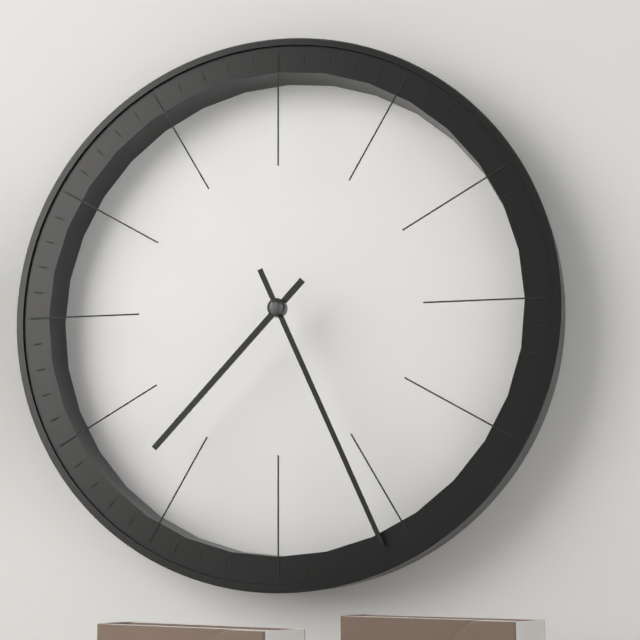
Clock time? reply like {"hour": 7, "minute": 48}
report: {"hour": 7, "minute": 26}
